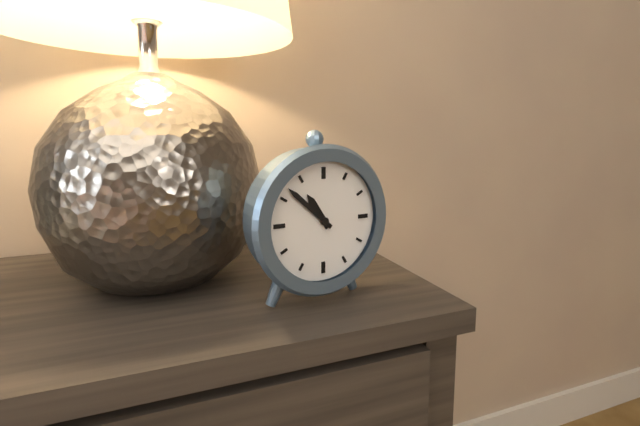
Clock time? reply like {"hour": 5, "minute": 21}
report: {"hour": 10, "minute": 52}
